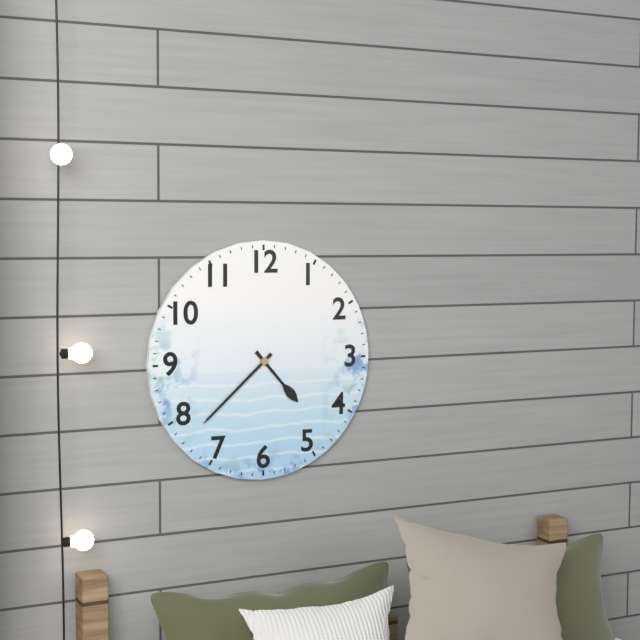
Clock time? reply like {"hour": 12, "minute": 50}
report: {"hour": 4, "minute": 38}
